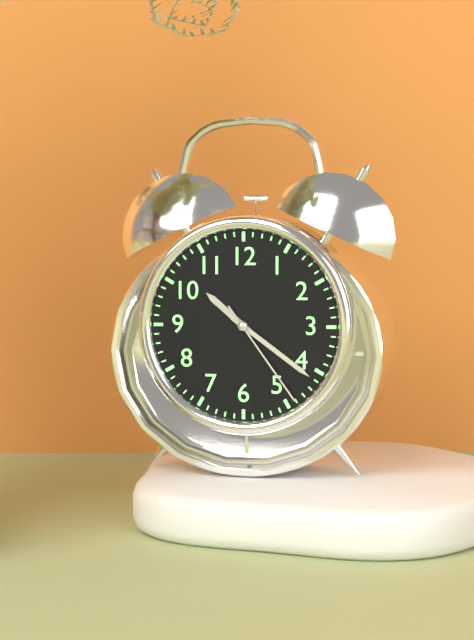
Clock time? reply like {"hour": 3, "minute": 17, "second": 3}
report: {"hour": 10, "minute": 21, "second": 24}
